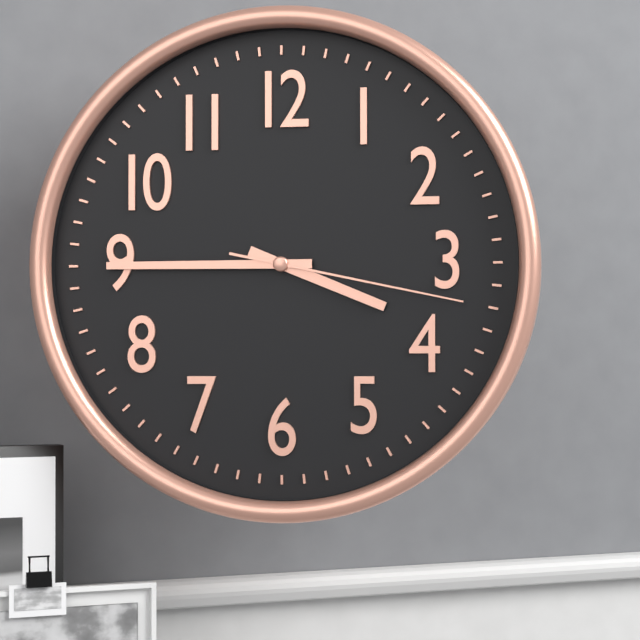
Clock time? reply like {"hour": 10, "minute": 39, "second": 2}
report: {"hour": 3, "minute": 45, "second": 17}
